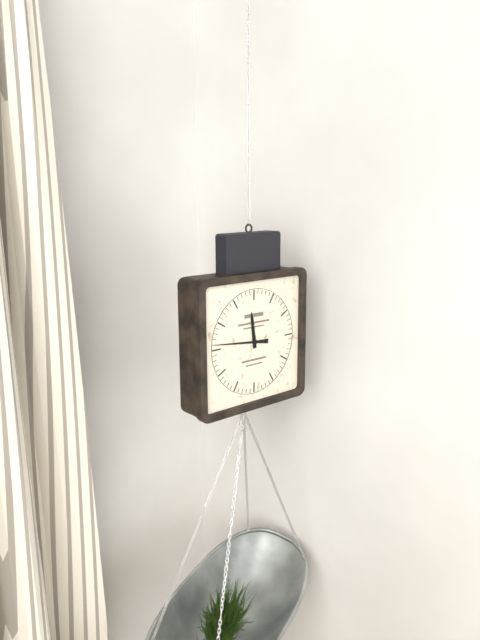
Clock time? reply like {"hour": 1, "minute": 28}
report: {"hour": 11, "minute": 46}
